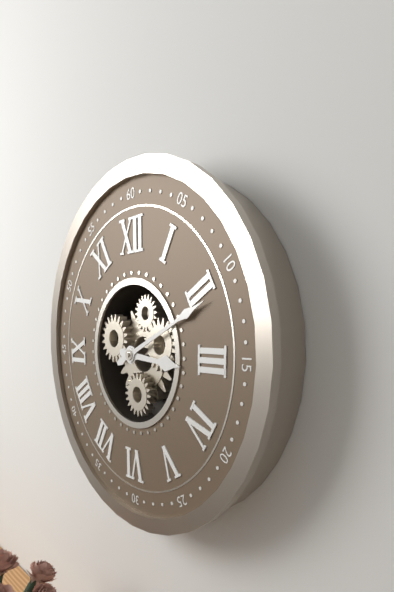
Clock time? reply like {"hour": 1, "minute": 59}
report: {"hour": 3, "minute": 11}
